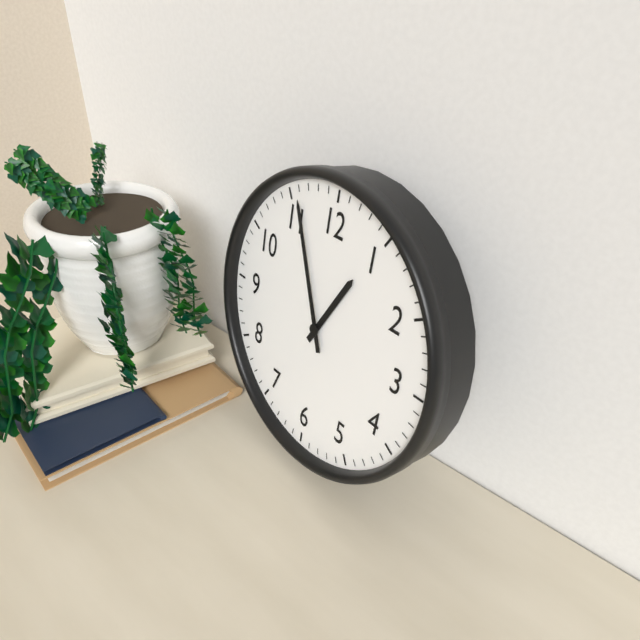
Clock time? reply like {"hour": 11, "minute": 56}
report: {"hour": 12, "minute": 56}
